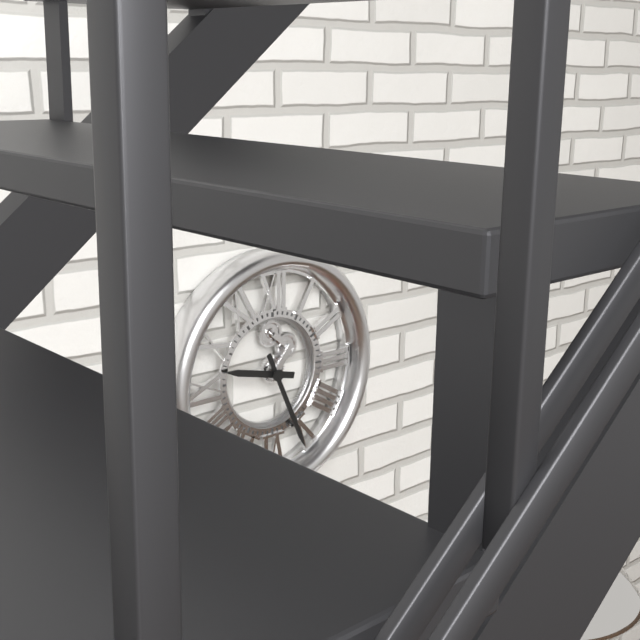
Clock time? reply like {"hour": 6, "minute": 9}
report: {"hour": 9, "minute": 26}
